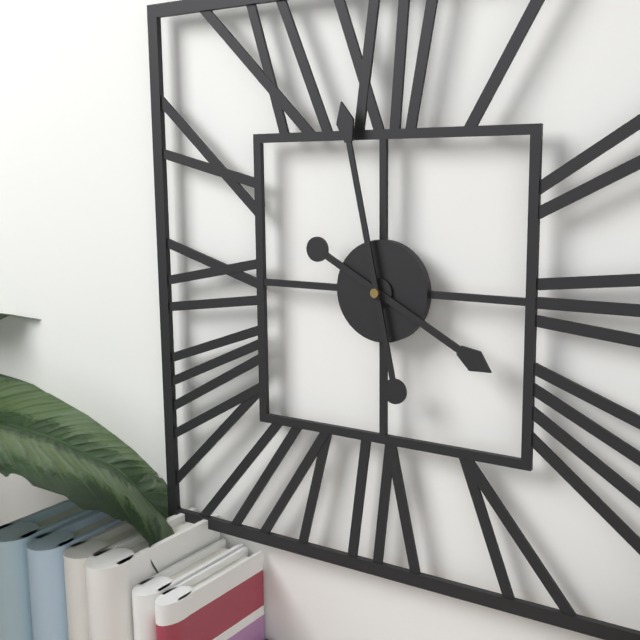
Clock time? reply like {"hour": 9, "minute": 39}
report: {"hour": 3, "minute": 58}
